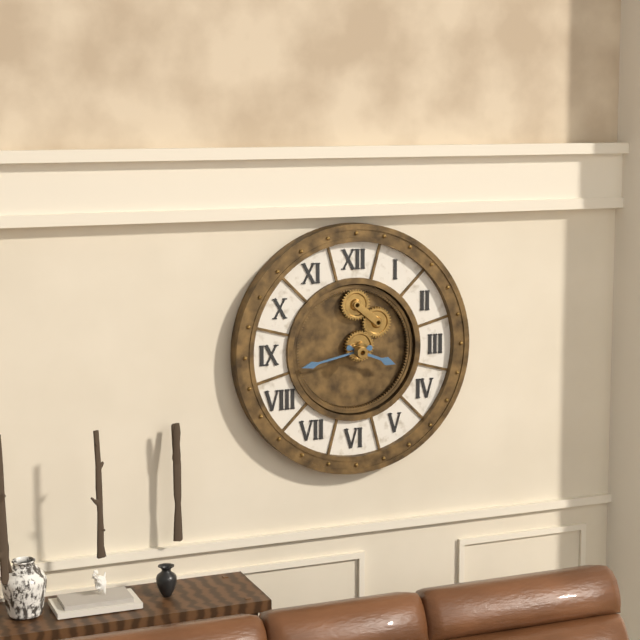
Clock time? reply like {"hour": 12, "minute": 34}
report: {"hour": 3, "minute": 43}
